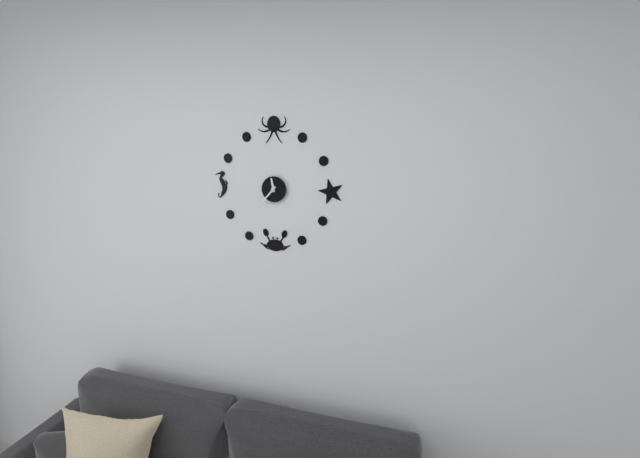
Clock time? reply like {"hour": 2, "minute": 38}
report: {"hour": 11, "minute": 37}
